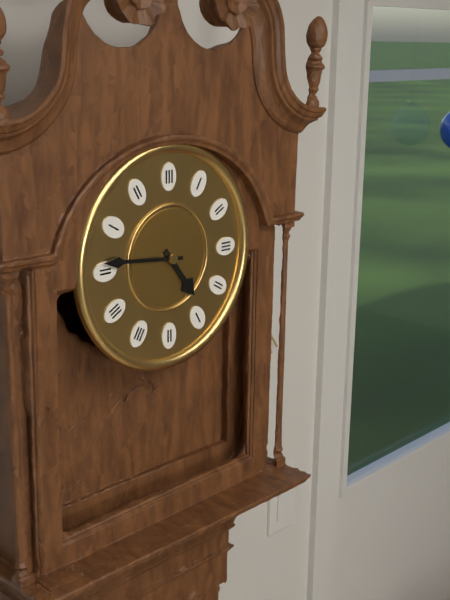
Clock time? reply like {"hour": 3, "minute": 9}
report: {"hour": 4, "minute": 46}
